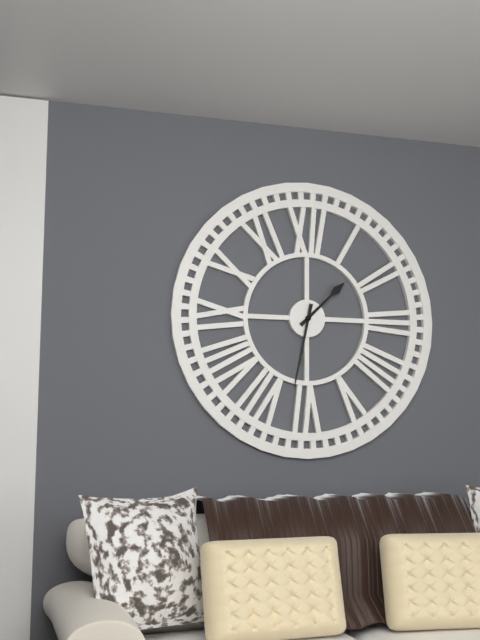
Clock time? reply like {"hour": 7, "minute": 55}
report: {"hour": 1, "minute": 32}
